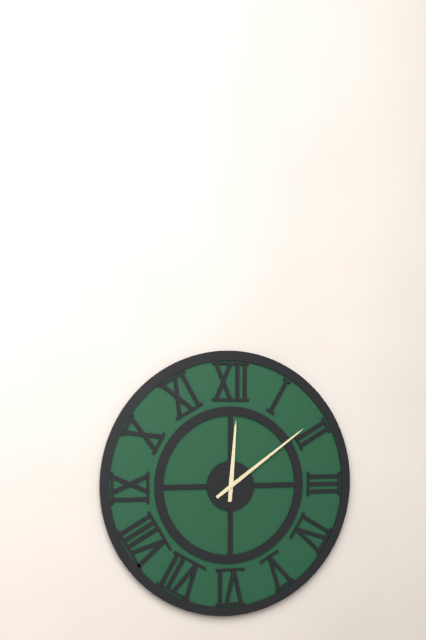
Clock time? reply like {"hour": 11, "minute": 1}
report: {"hour": 12, "minute": 9}
